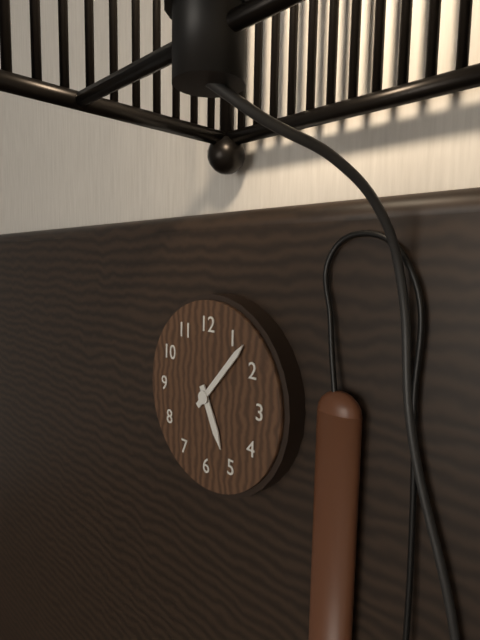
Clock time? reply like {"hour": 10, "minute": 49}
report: {"hour": 5, "minute": 7}
